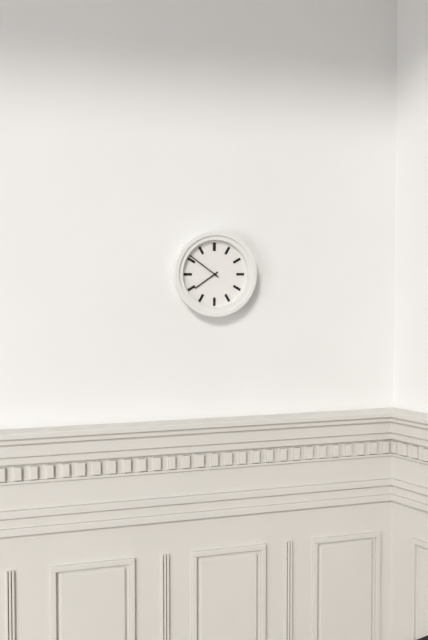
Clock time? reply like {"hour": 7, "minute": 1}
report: {"hour": 7, "minute": 51}
